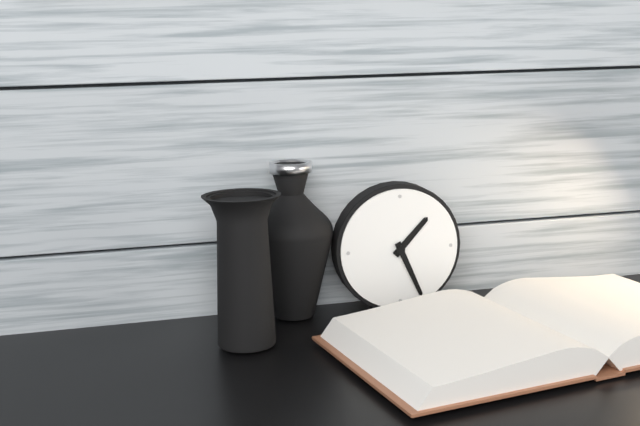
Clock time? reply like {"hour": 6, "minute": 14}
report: {"hour": 1, "minute": 26}
